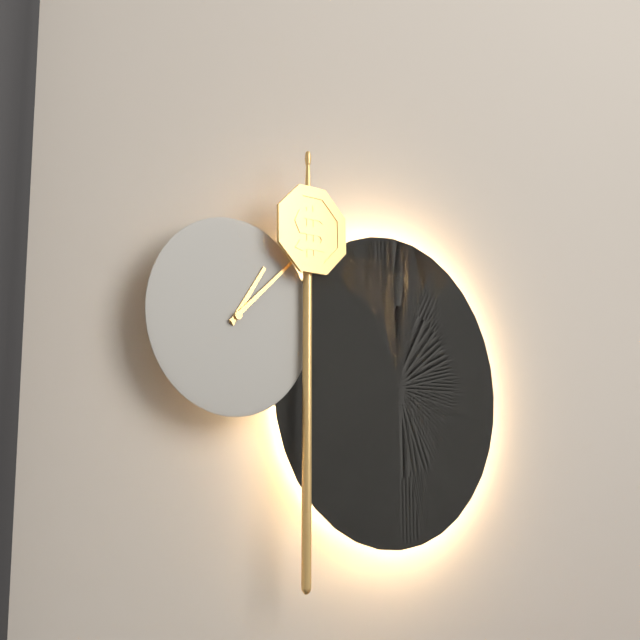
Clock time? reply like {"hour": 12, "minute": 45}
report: {"hour": 1, "minute": 8}
